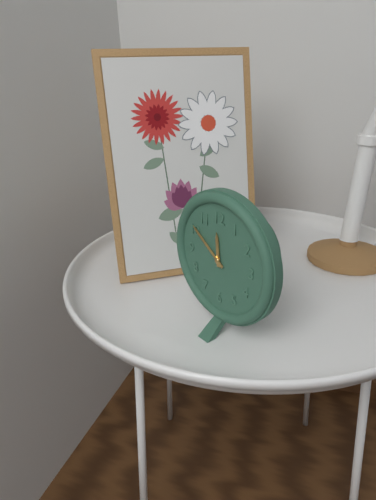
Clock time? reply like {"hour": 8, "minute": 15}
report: {"hour": 11, "minute": 51}
